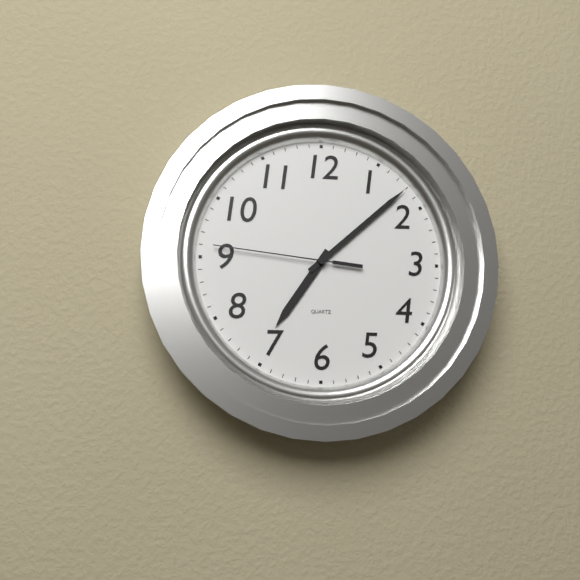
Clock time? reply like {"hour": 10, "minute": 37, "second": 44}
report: {"hour": 7, "minute": 8, "second": 46}
